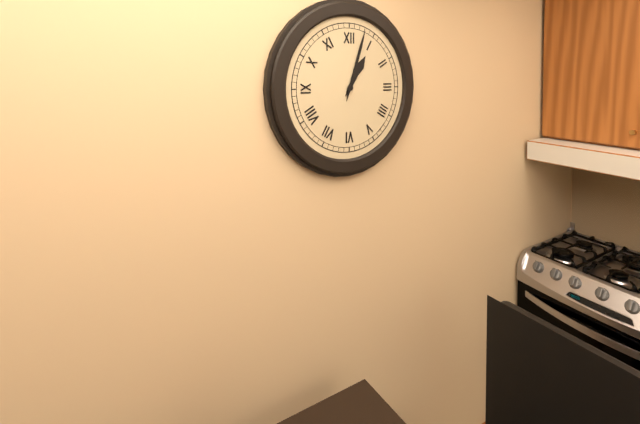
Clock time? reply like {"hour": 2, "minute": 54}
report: {"hour": 1, "minute": 3}
